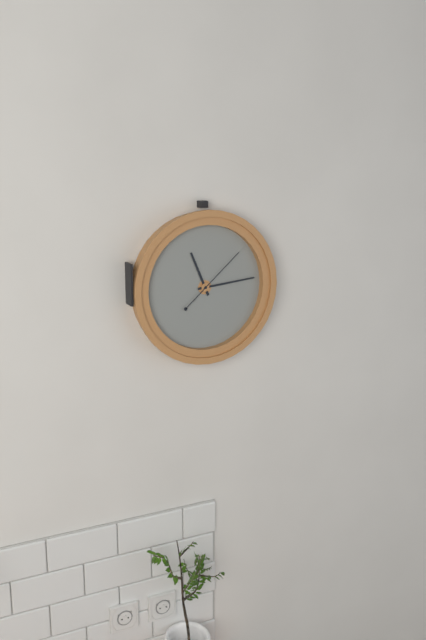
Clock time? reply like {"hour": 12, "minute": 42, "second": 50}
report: {"hour": 11, "minute": 14, "second": 8}
